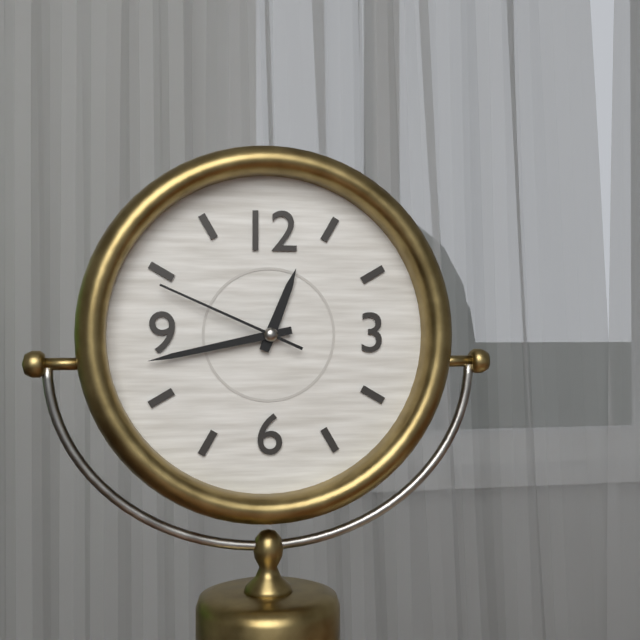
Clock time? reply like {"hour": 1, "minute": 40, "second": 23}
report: {"hour": 12, "minute": 43, "second": 49}
